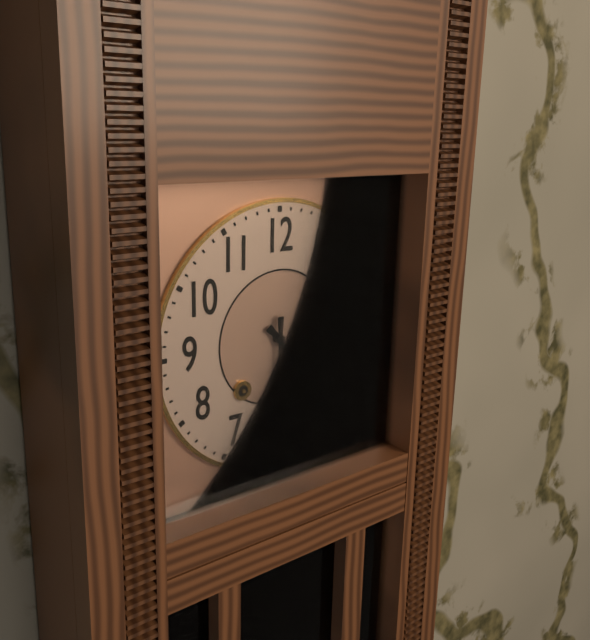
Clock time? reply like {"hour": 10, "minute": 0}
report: {"hour": 4, "minute": 30}
